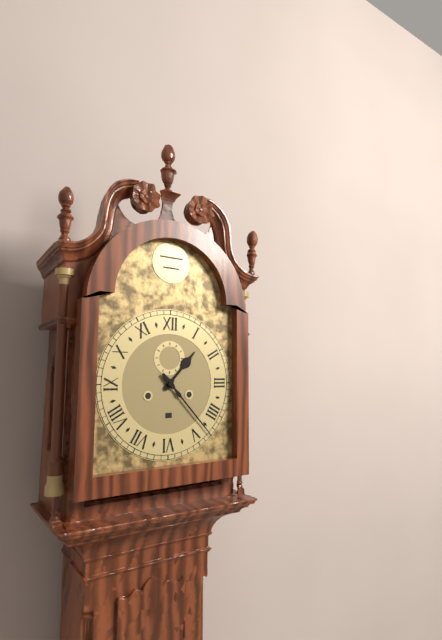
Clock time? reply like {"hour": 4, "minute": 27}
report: {"hour": 1, "minute": 23}
